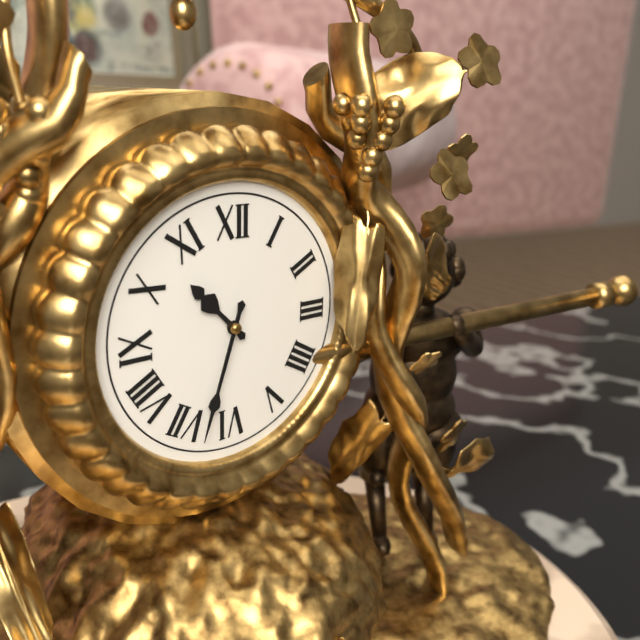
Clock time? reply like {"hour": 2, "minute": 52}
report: {"hour": 10, "minute": 33}
